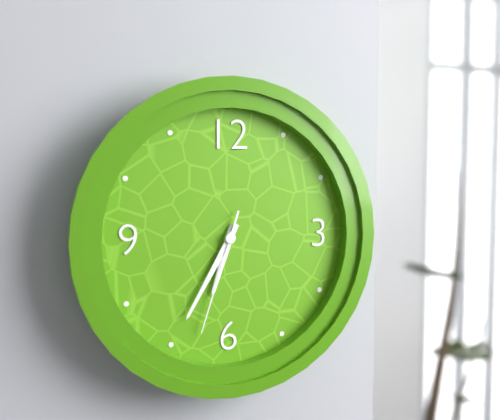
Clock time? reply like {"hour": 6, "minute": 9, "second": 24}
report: {"hour": 6, "minute": 35, "second": 33}
